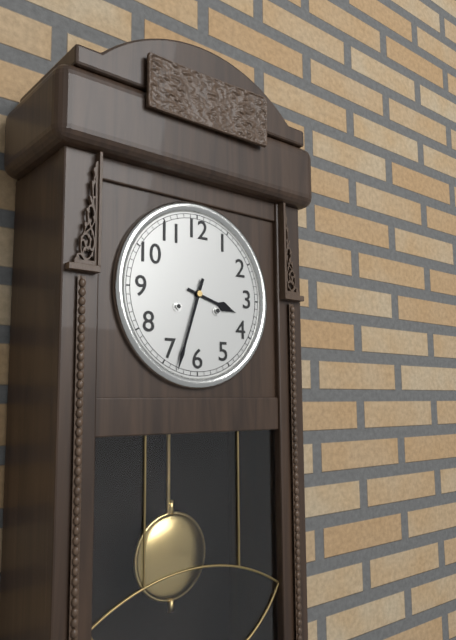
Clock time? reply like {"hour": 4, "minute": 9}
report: {"hour": 3, "minute": 33}
